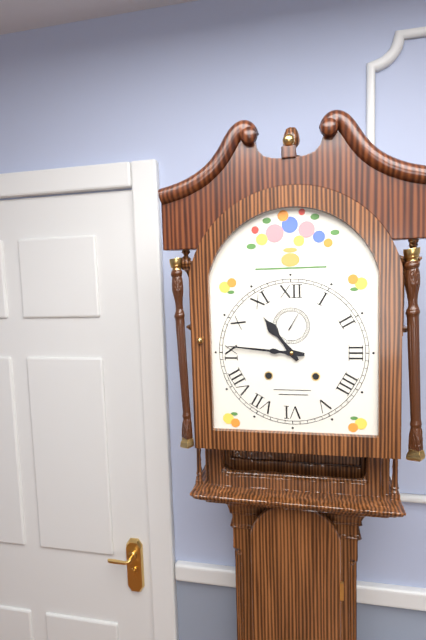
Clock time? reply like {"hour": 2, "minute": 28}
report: {"hour": 10, "minute": 46}
